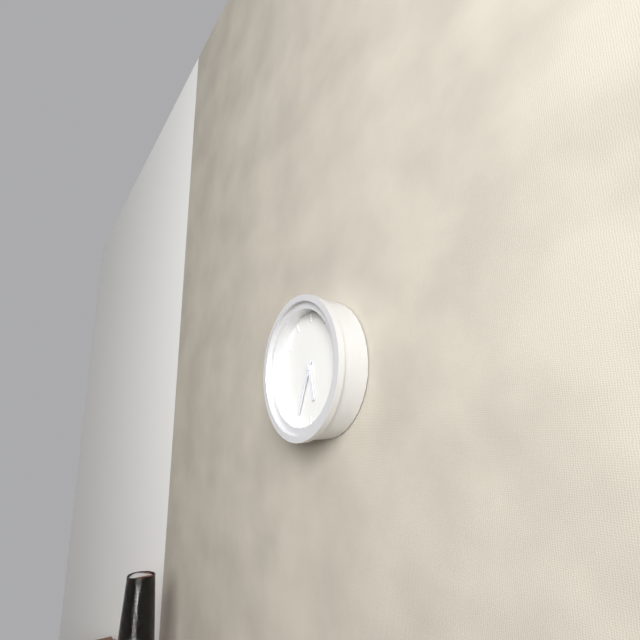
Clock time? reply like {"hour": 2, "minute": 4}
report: {"hour": 5, "minute": 34}
